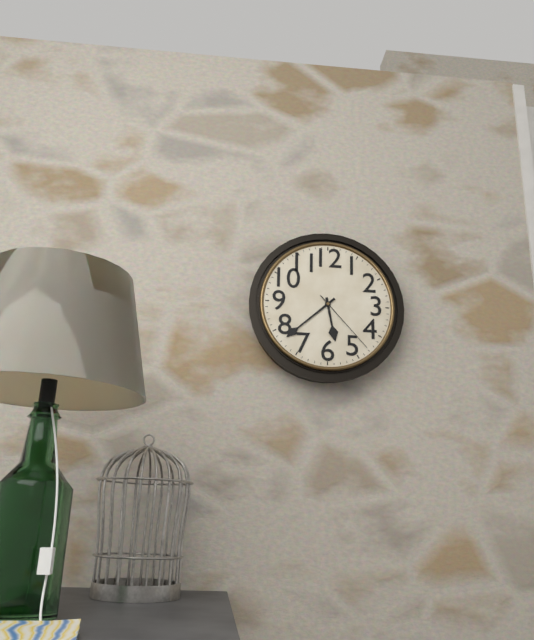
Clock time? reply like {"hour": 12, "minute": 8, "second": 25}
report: {"hour": 5, "minute": 38, "second": 23}
